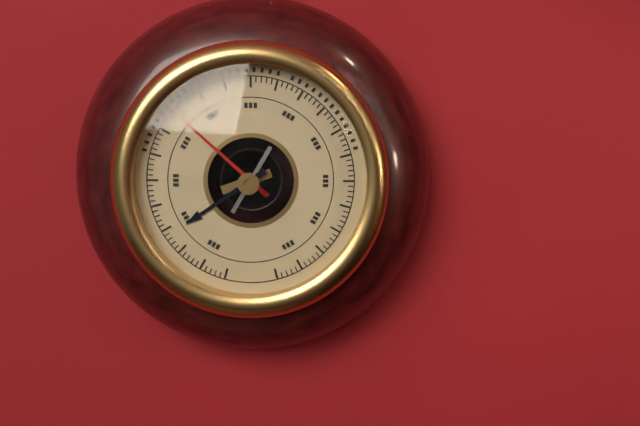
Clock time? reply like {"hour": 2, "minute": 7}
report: {"hour": 7, "minute": 52}
